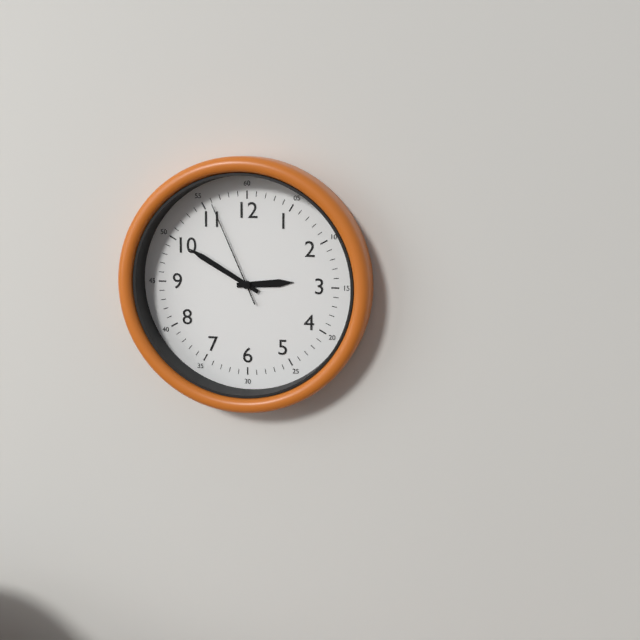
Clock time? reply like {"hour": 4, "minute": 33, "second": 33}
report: {"hour": 2, "minute": 50, "second": 56}
